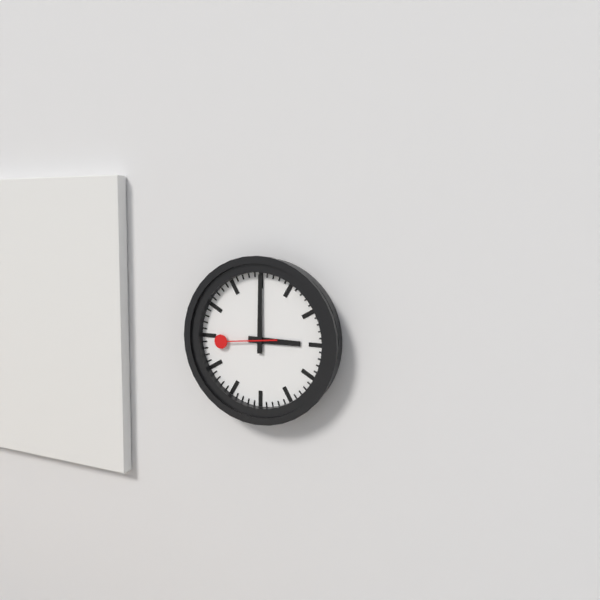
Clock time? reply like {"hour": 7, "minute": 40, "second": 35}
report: {"hour": 3, "minute": 0, "second": 44}
